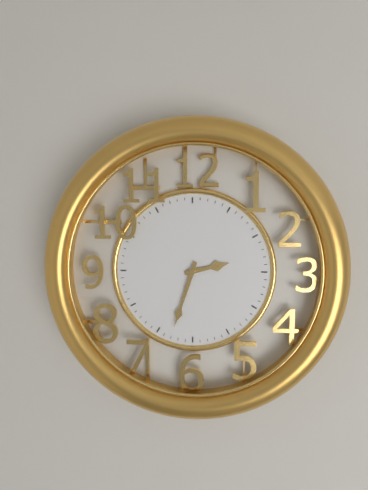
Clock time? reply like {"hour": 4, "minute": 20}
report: {"hour": 2, "minute": 33}
